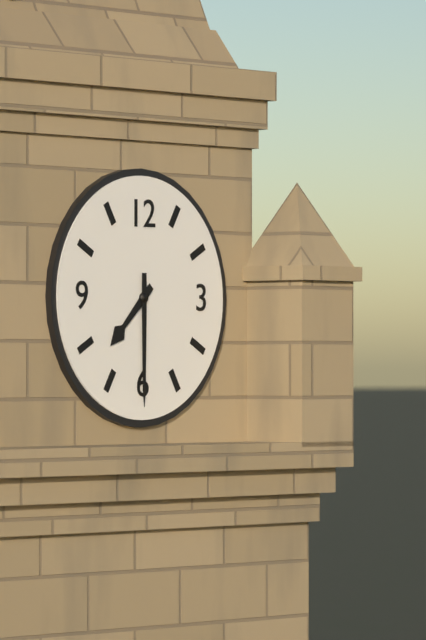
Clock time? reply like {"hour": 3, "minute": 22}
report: {"hour": 7, "minute": 30}
